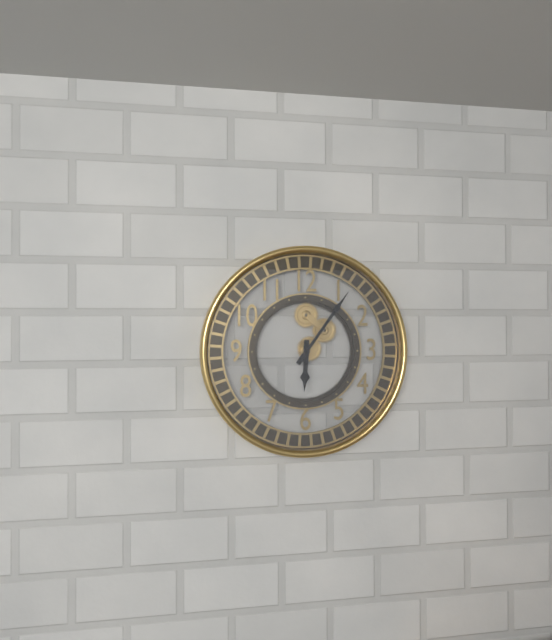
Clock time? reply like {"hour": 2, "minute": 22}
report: {"hour": 6, "minute": 6}
